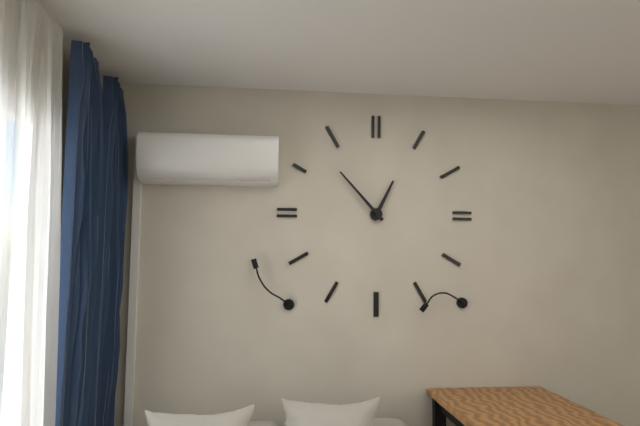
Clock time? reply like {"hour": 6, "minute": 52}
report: {"hour": 12, "minute": 53}
